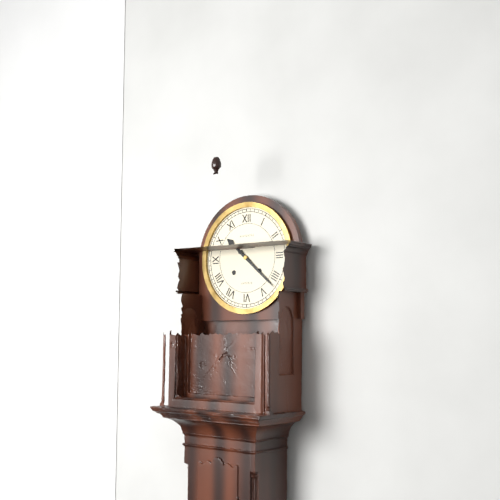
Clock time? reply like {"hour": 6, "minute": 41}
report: {"hour": 10, "minute": 22}
